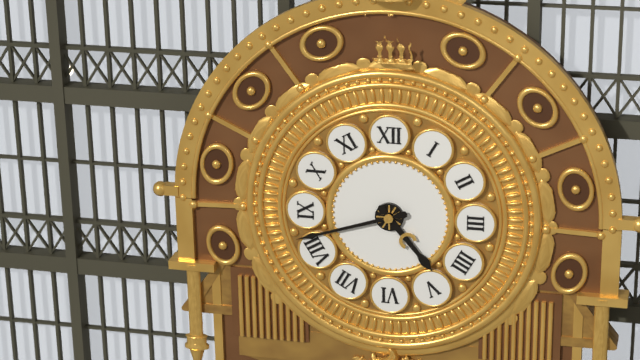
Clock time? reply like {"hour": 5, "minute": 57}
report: {"hour": 4, "minute": 42}
